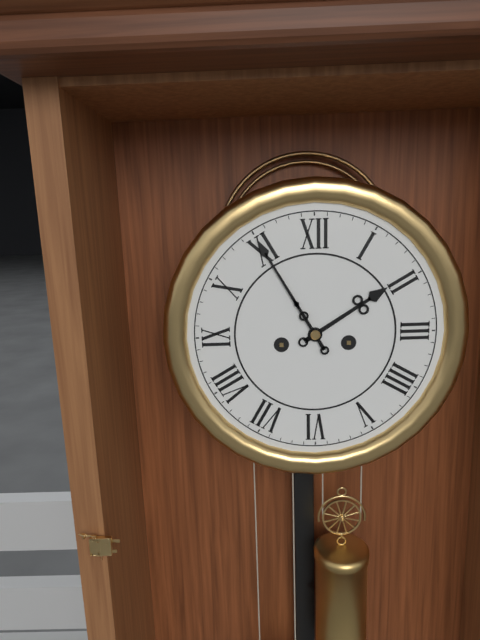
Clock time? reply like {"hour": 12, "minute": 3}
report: {"hour": 1, "minute": 55}
